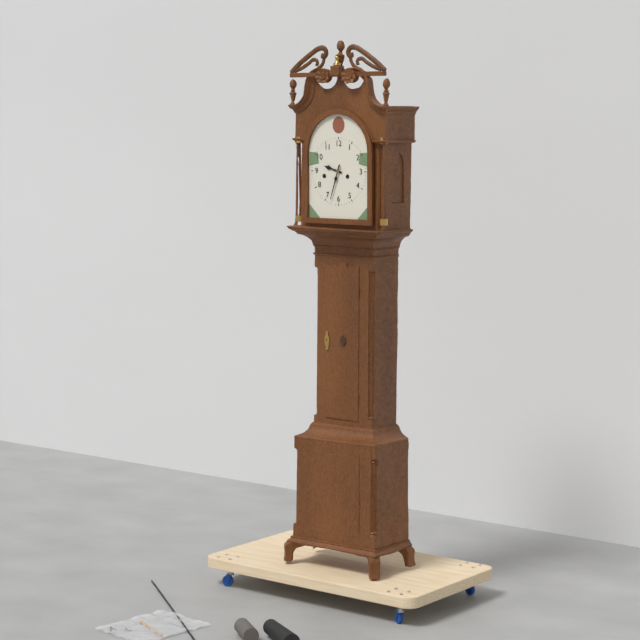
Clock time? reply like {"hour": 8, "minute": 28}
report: {"hour": 9, "minute": 33}
